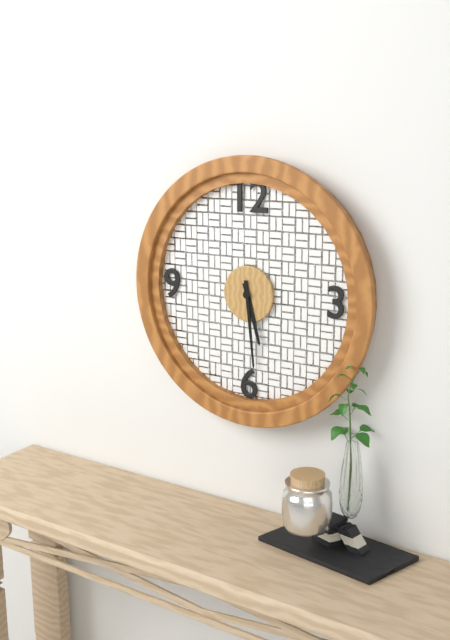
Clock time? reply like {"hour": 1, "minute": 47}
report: {"hour": 5, "minute": 29}
